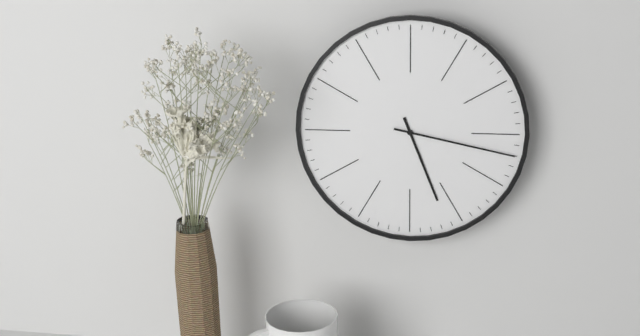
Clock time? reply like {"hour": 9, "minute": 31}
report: {"hour": 5, "minute": 17}
